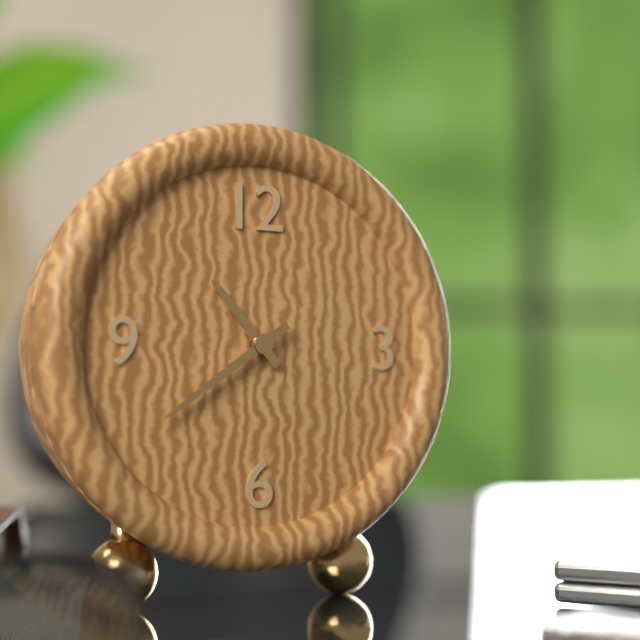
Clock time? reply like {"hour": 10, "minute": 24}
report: {"hour": 10, "minute": 39}
